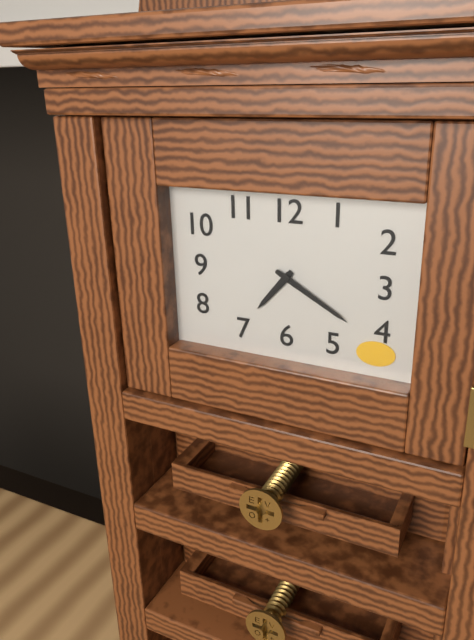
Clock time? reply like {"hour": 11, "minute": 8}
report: {"hour": 7, "minute": 20}
